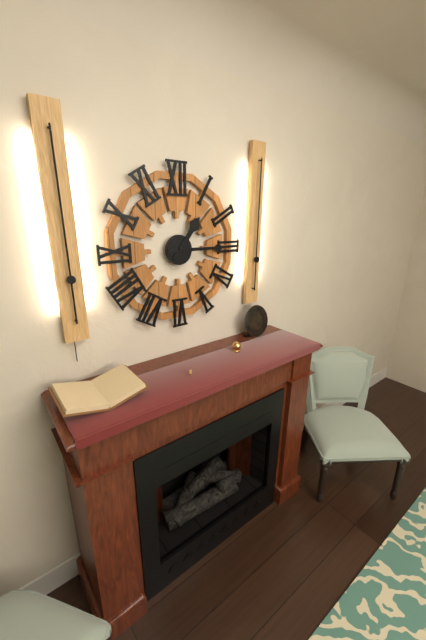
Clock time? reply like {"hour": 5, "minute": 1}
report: {"hour": 1, "minute": 15}
